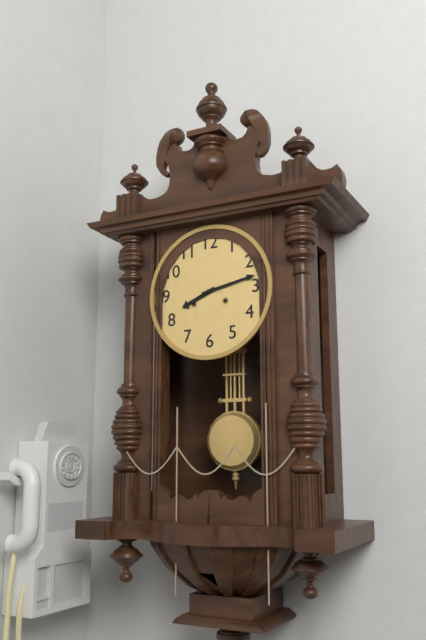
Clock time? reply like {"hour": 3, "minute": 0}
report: {"hour": 8, "minute": 13}
